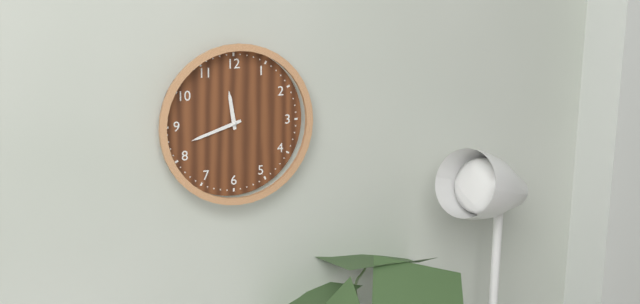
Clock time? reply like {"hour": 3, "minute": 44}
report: {"hour": 11, "minute": 42}
